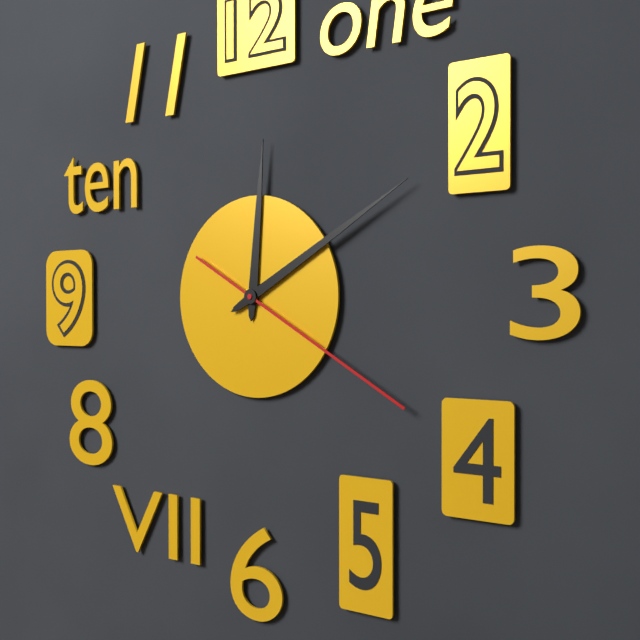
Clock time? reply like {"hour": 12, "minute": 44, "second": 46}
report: {"hour": 12, "minute": 10, "second": 20}
